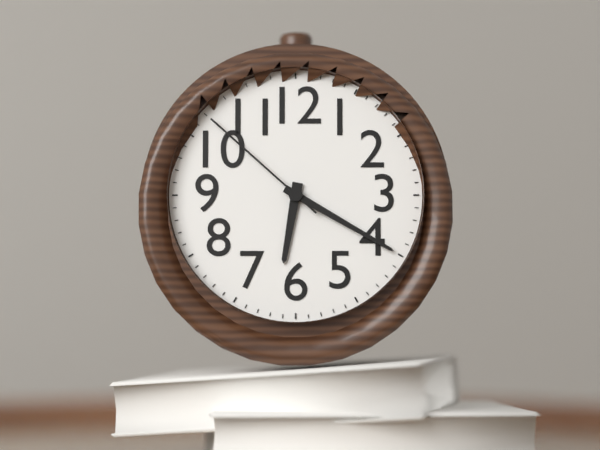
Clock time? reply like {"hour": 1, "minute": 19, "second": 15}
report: {"hour": 6, "minute": 20, "second": 52}
